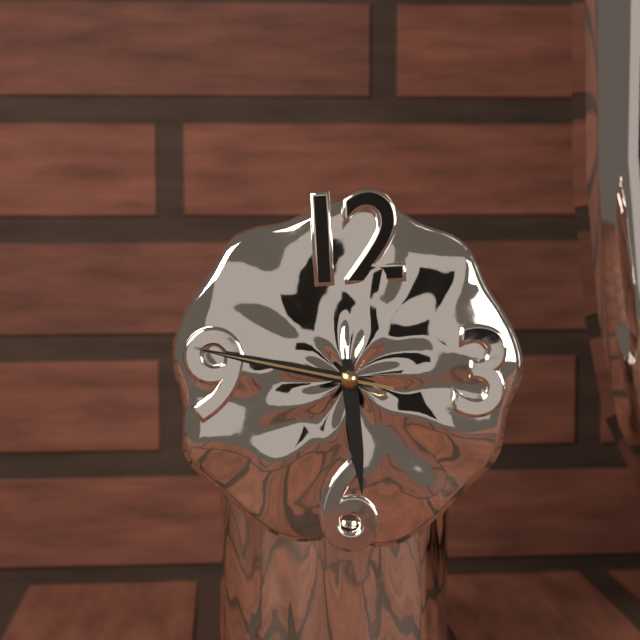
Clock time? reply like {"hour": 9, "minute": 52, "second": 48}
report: {"hour": 5, "minute": 47, "second": 47}
